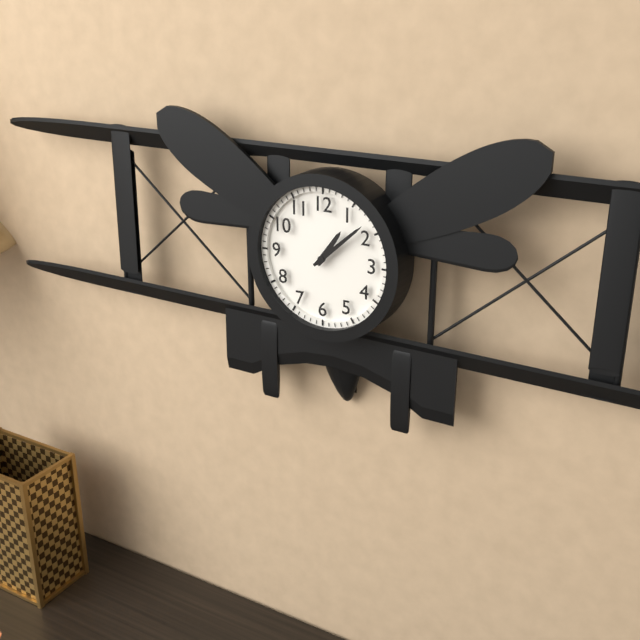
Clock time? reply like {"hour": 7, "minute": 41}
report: {"hour": 1, "minute": 8}
